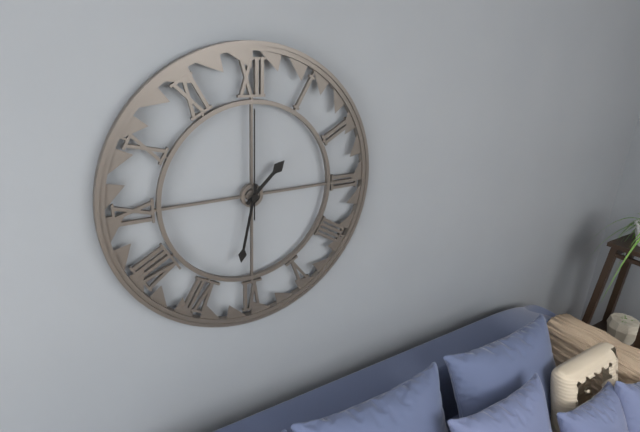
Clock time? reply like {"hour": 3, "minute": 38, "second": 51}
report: {"hour": 1, "minute": 32, "second": 0}
